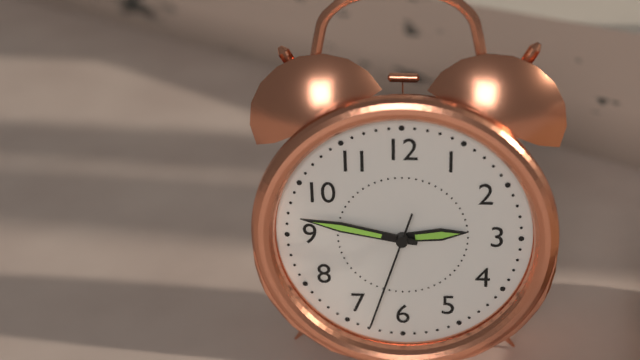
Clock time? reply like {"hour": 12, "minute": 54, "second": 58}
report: {"hour": 2, "minute": 47, "second": 33}
